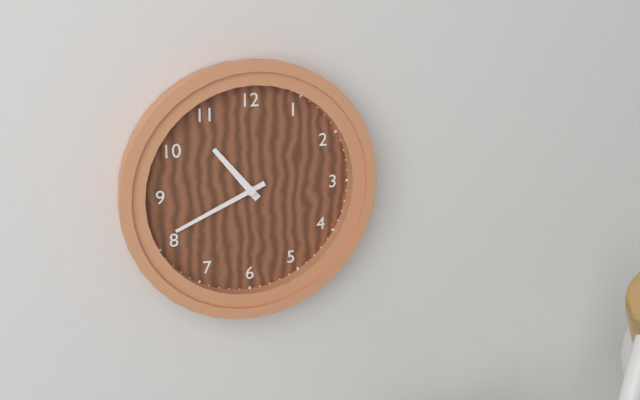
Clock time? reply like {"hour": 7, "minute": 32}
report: {"hour": 10, "minute": 41}
